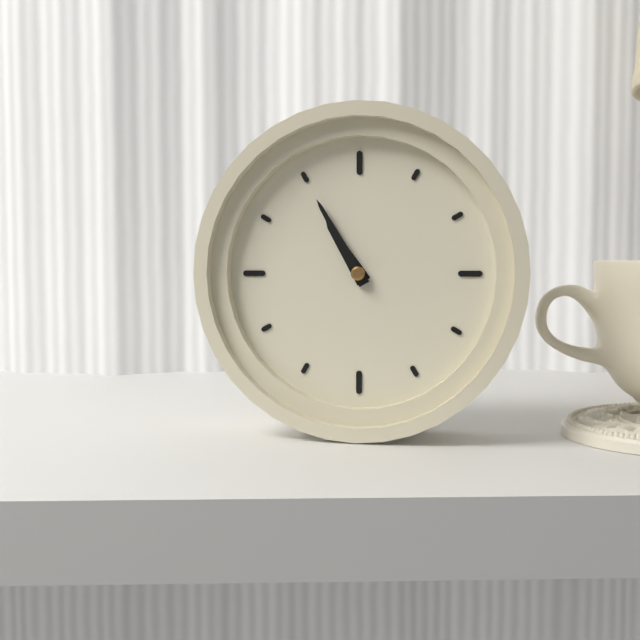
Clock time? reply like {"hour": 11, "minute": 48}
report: {"hour": 10, "minute": 55}
